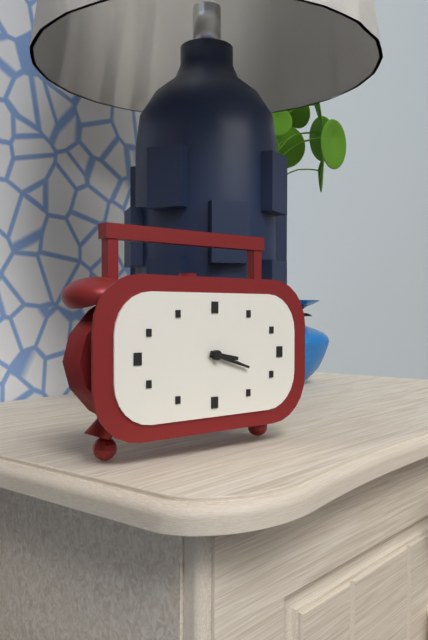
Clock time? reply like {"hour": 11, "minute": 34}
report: {"hour": 3, "minute": 18}
